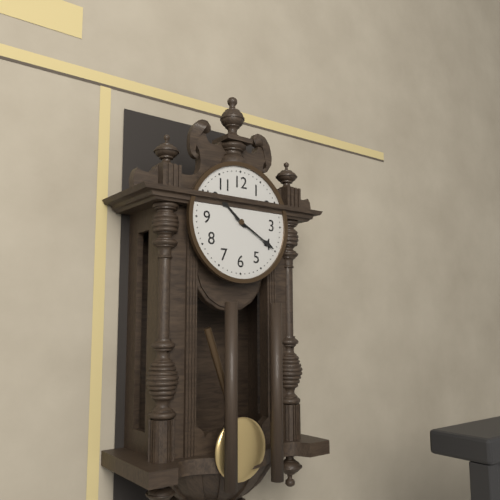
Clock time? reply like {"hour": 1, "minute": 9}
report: {"hour": 10, "minute": 20}
